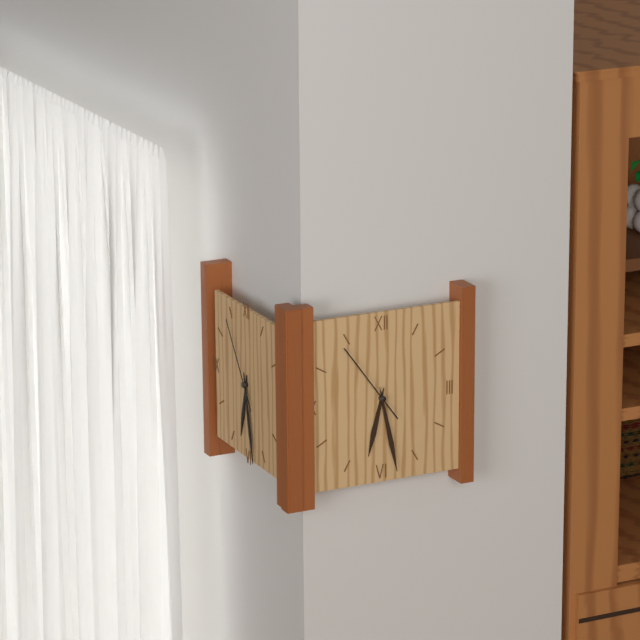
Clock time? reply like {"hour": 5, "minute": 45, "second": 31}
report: {"hour": 6, "minute": 28, "second": 54}
